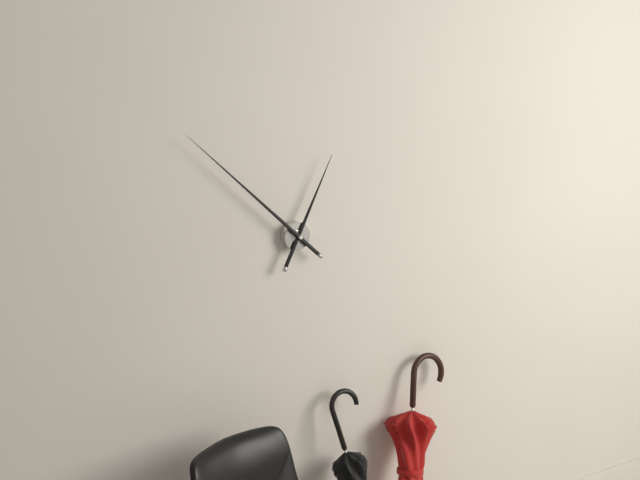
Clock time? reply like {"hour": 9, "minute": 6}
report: {"hour": 12, "minute": 52}
